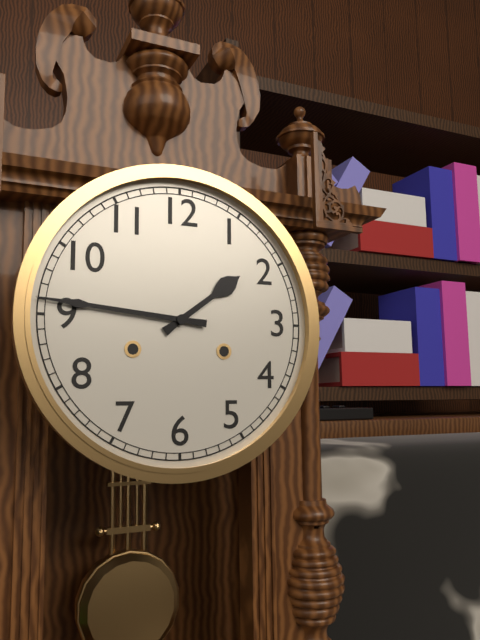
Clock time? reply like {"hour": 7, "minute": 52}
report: {"hour": 1, "minute": 46}
